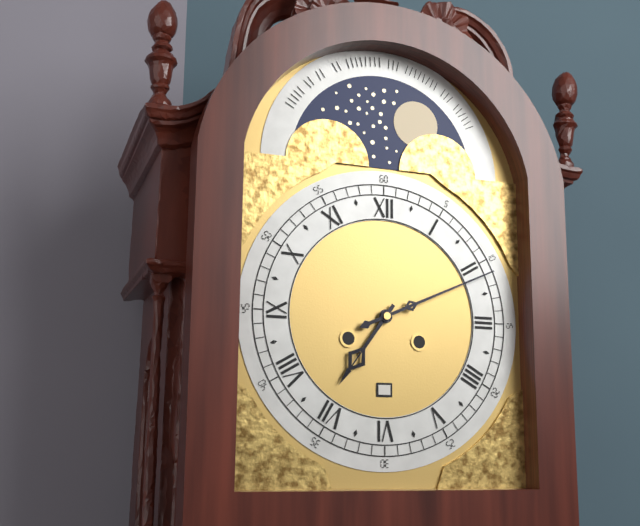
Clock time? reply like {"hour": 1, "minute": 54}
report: {"hour": 7, "minute": 11}
